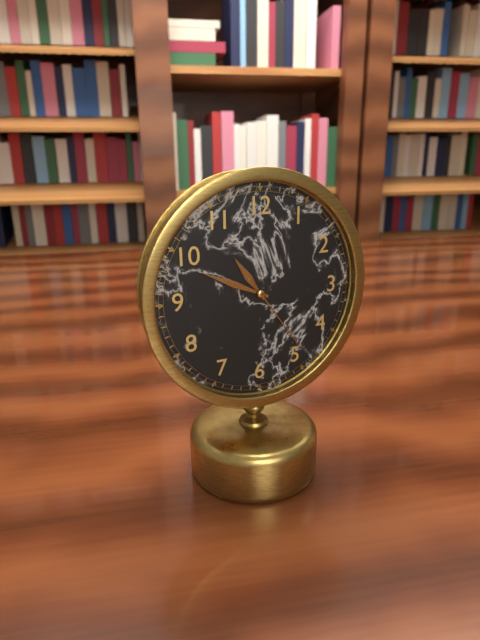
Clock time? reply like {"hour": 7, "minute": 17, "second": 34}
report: {"hour": 10, "minute": 49, "second": 24}
